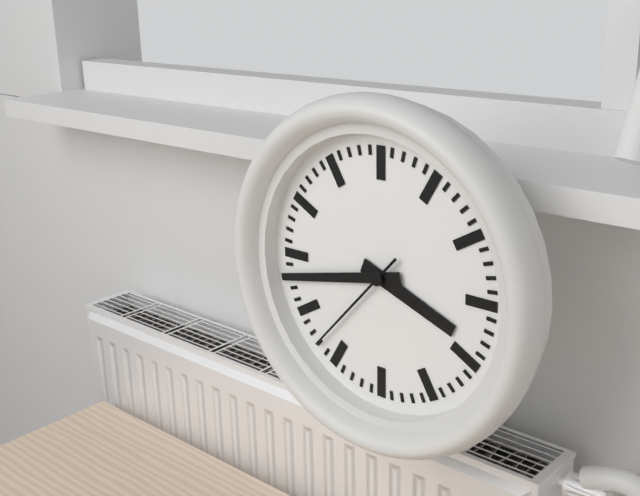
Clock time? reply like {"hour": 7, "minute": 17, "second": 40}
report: {"hour": 3, "minute": 43, "second": 37}
